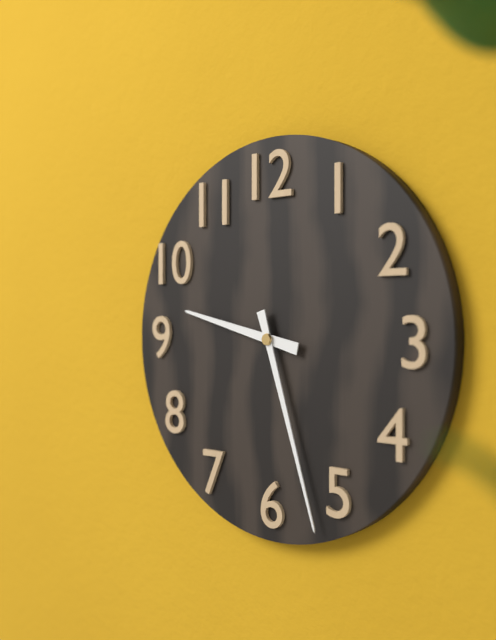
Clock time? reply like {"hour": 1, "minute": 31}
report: {"hour": 9, "minute": 27}
